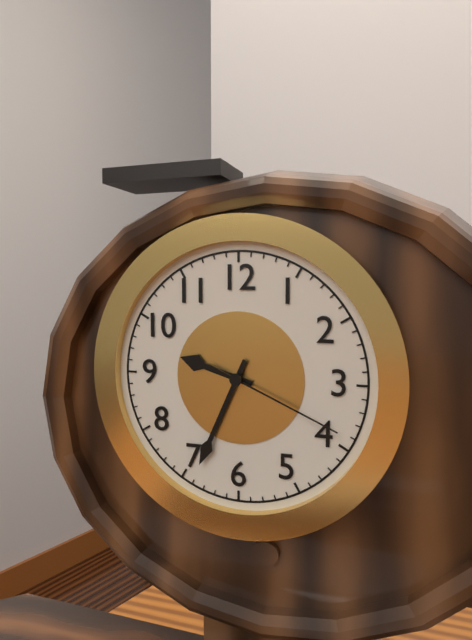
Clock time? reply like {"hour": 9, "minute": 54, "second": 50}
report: {"hour": 9, "minute": 34, "second": 19}
